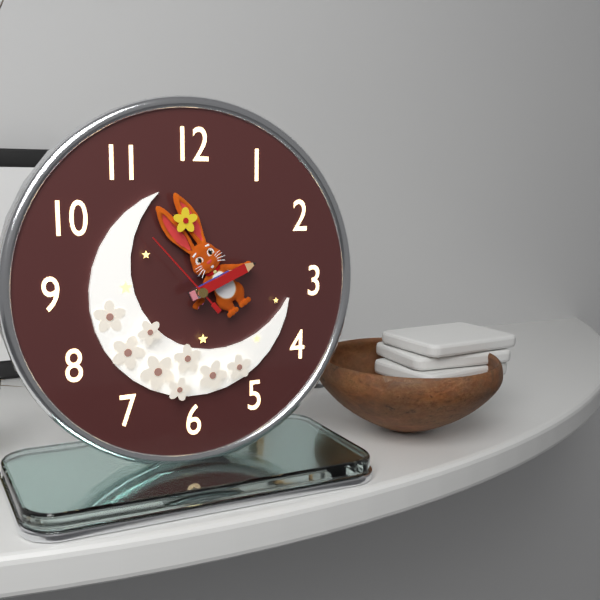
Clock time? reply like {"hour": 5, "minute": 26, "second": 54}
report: {"hour": 2, "minute": 11, "second": 53}
